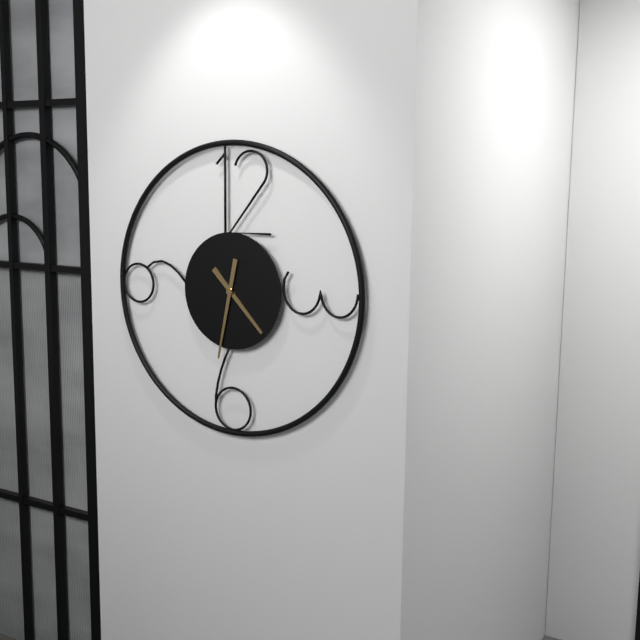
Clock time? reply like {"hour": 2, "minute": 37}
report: {"hour": 4, "minute": 32}
